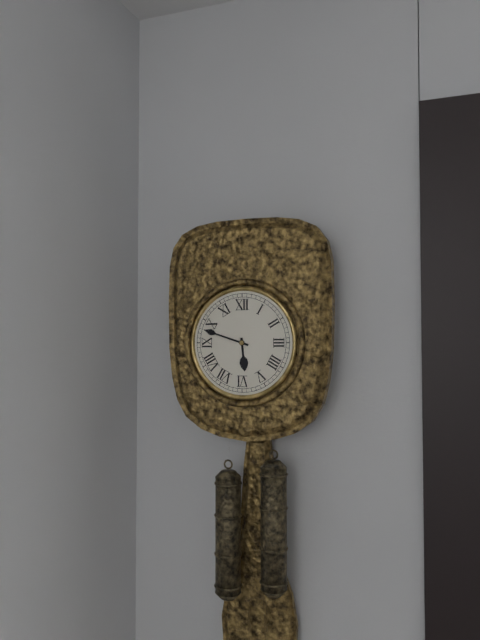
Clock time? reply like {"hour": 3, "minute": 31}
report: {"hour": 5, "minute": 48}
